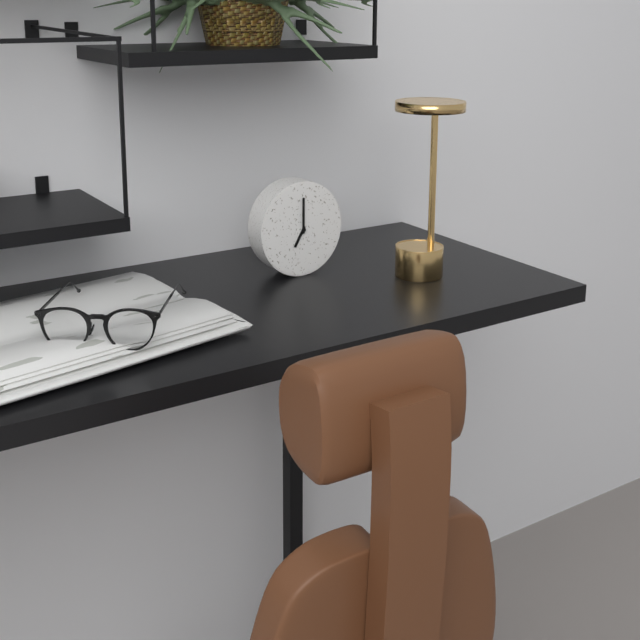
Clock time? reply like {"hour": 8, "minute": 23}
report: {"hour": 7, "minute": 0}
